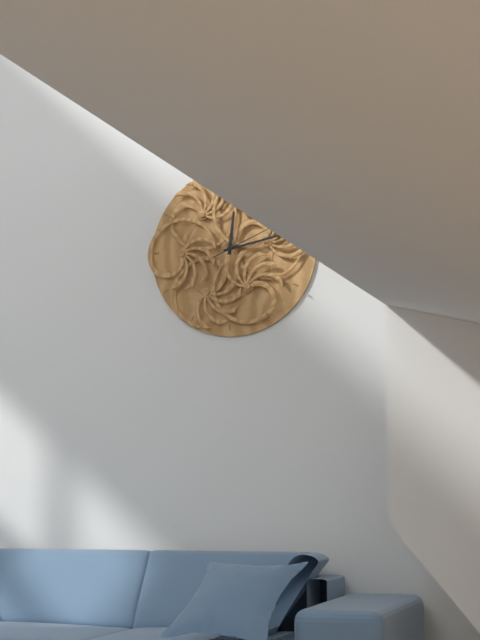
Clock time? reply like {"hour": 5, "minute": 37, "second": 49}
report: {"hour": 12, "minute": 13, "second": 11}
